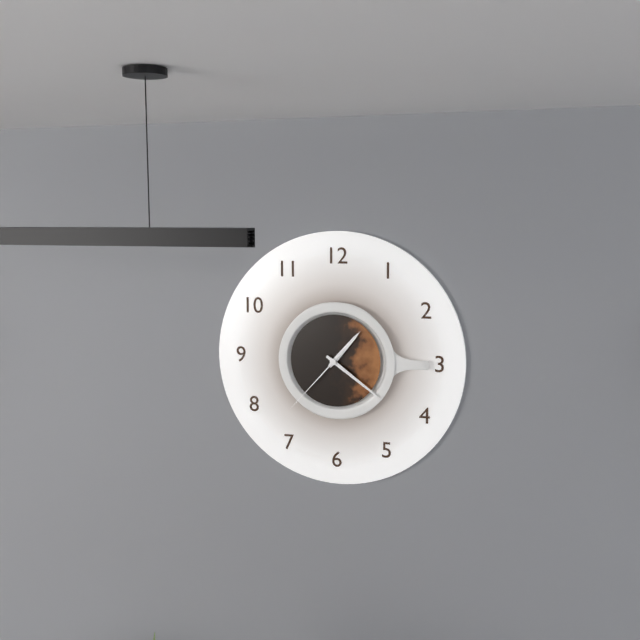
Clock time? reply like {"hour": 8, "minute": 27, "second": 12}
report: {"hour": 1, "minute": 21, "second": 37}
